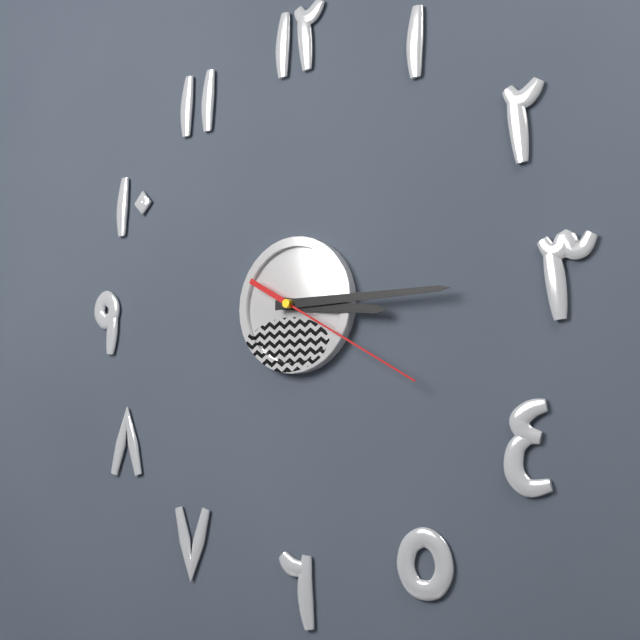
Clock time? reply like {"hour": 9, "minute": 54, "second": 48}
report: {"hour": 3, "minute": 15, "second": 20}
